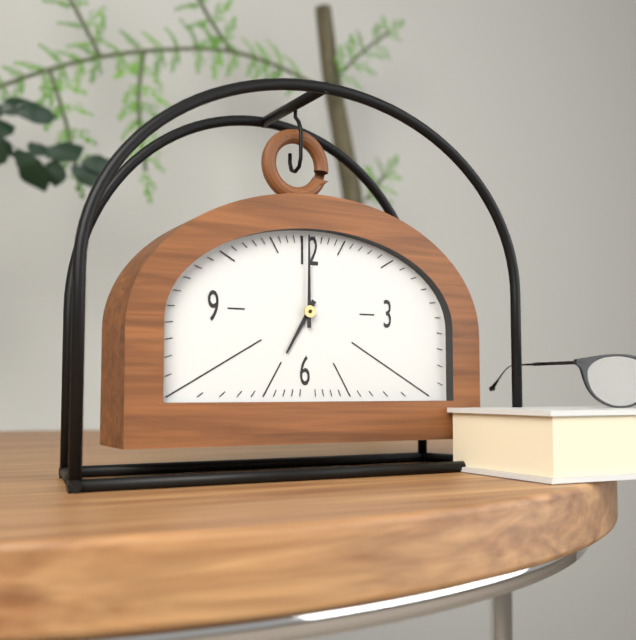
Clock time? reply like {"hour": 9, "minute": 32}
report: {"hour": 7, "minute": 0}
